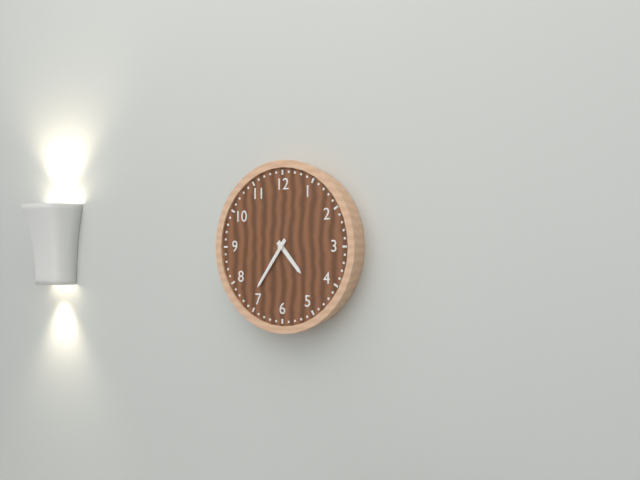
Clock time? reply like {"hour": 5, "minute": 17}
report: {"hour": 4, "minute": 36}
